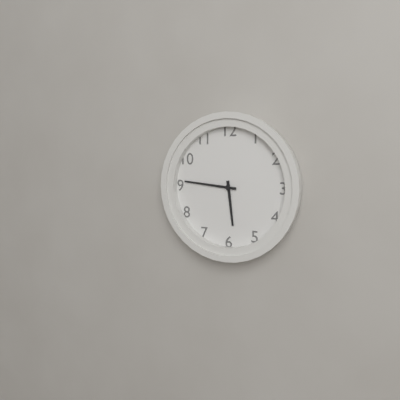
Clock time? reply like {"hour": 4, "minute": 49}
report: {"hour": 5, "minute": 46}
